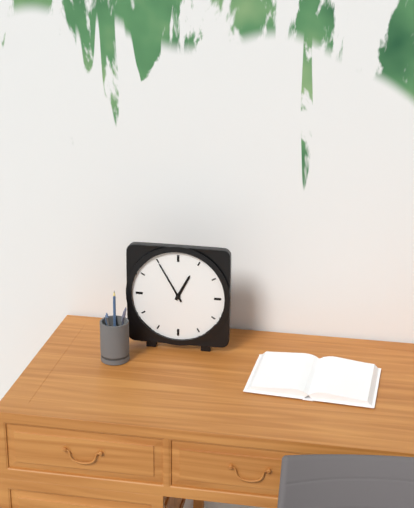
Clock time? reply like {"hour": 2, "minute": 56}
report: {"hour": 12, "minute": 55}
